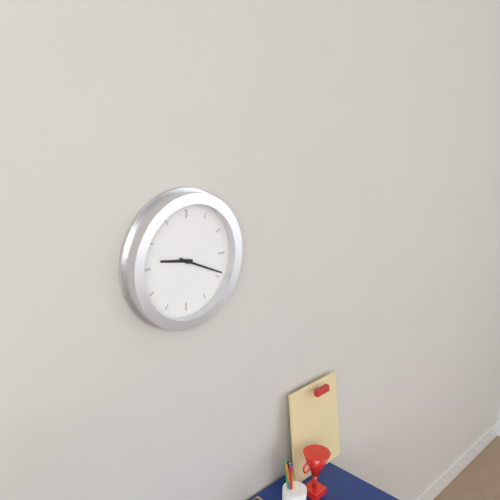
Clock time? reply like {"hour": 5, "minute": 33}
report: {"hour": 9, "minute": 19}
